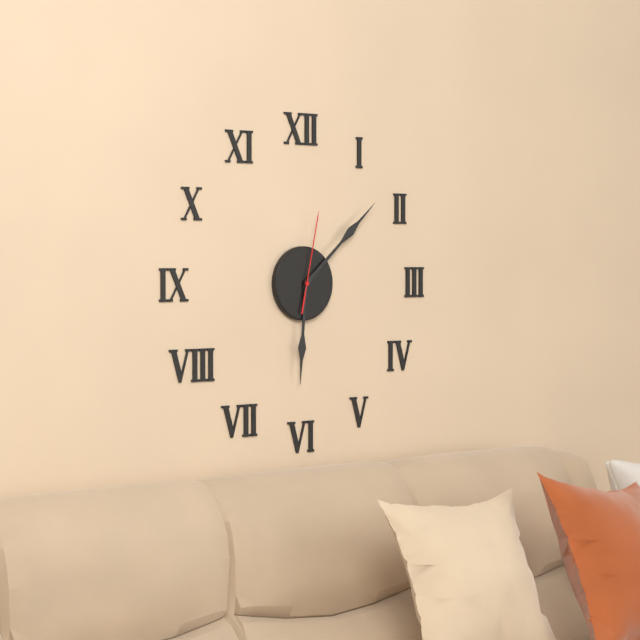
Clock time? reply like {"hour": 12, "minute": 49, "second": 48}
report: {"hour": 6, "minute": 8, "second": 2}
